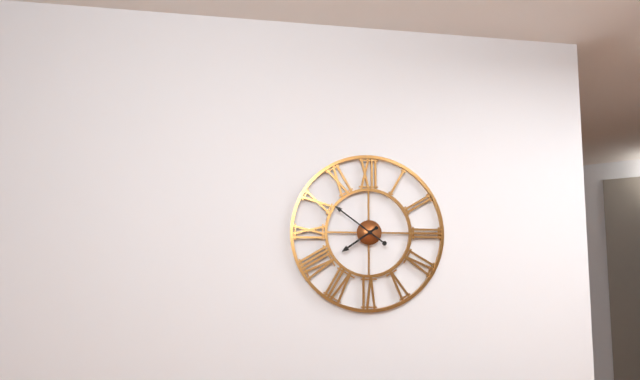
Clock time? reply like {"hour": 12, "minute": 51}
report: {"hour": 7, "minute": 51}
